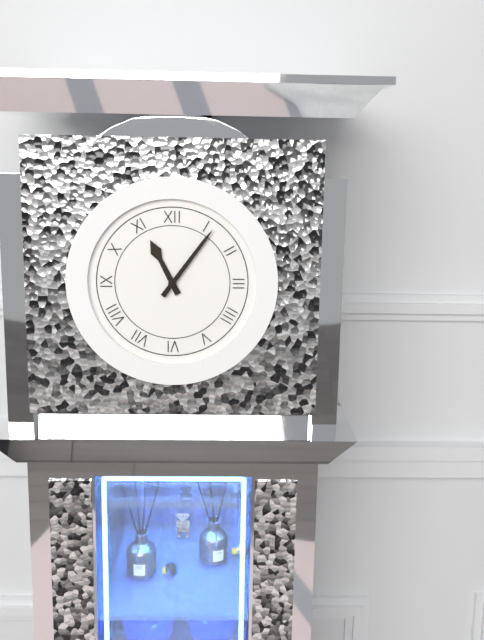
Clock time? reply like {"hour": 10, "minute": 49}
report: {"hour": 11, "minute": 6}
